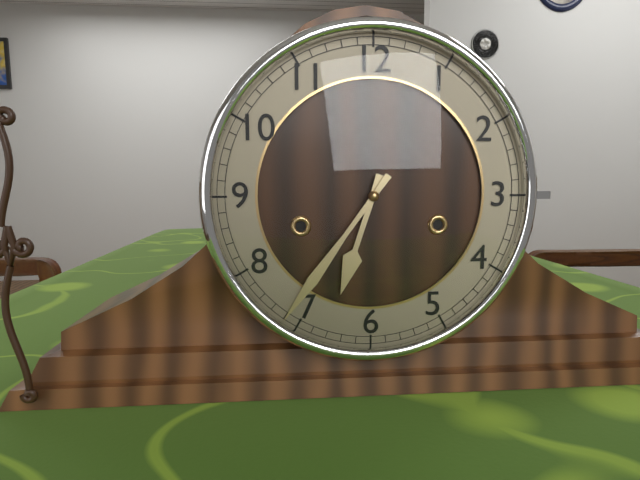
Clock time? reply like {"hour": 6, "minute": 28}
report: {"hour": 6, "minute": 36}
